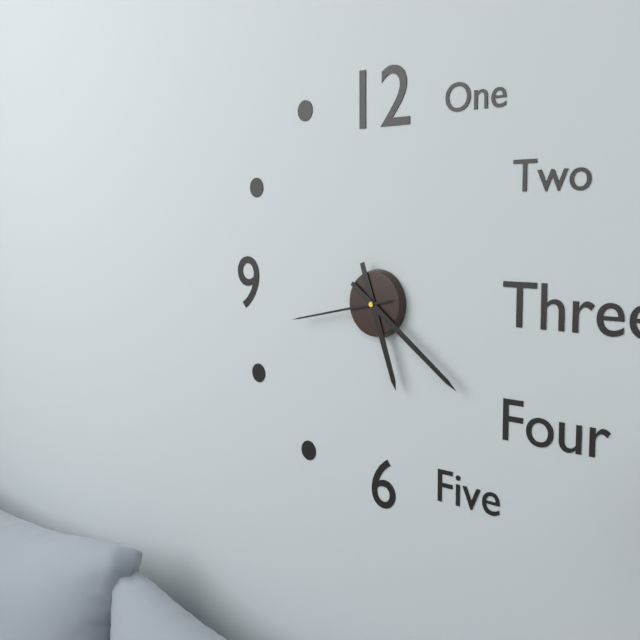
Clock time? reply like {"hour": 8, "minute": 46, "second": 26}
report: {"hour": 5, "minute": 21, "second": 43}
